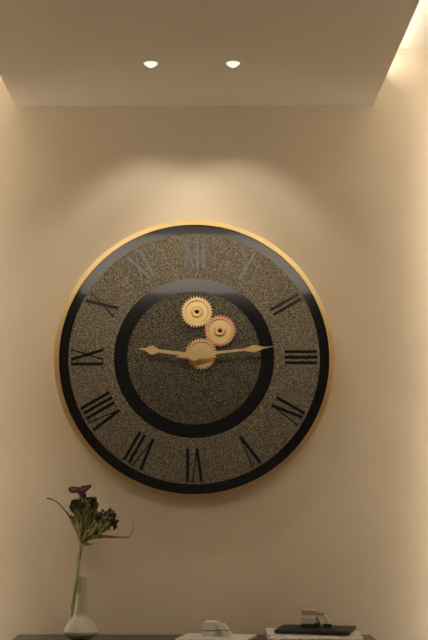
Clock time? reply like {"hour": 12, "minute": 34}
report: {"hour": 9, "minute": 14}
